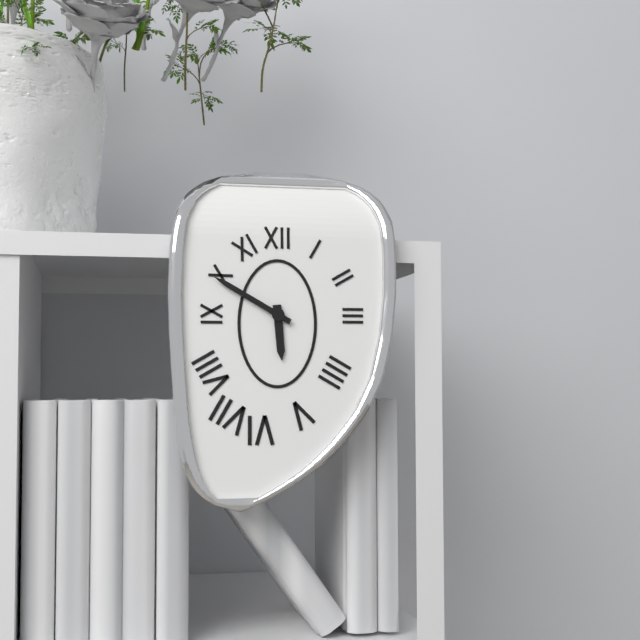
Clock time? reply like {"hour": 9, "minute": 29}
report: {"hour": 5, "minute": 50}
